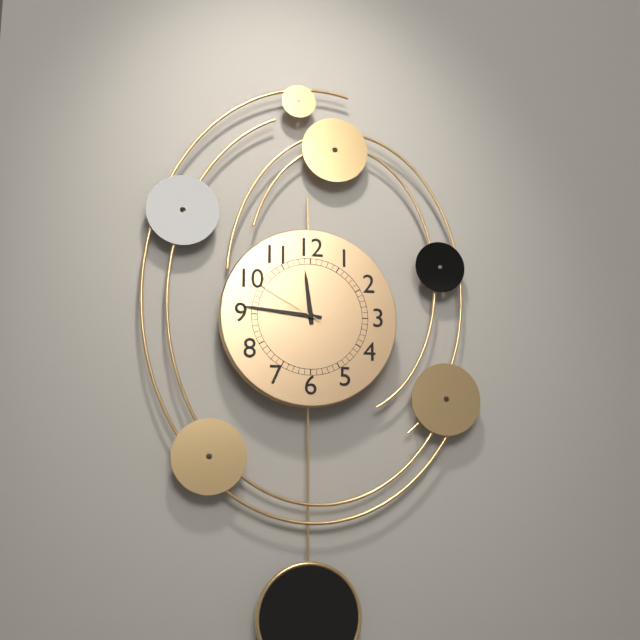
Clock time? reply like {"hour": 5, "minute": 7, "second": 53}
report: {"hour": 11, "minute": 46, "second": 50}
